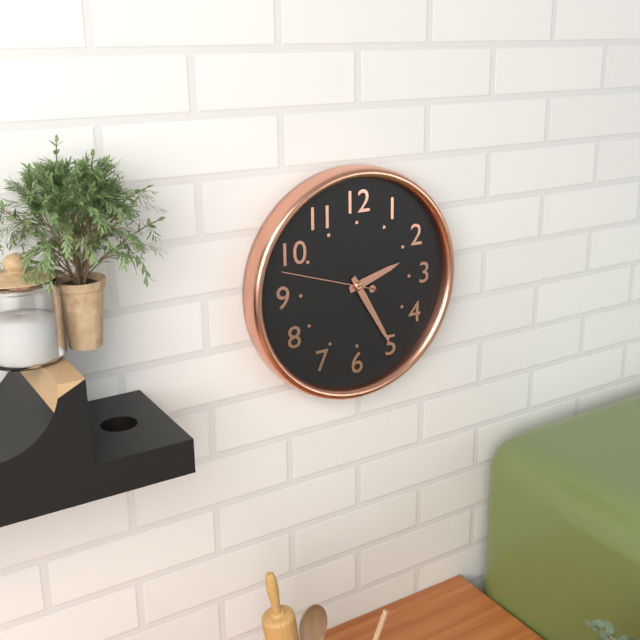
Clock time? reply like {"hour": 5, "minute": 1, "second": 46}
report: {"hour": 2, "minute": 25, "second": 48}
